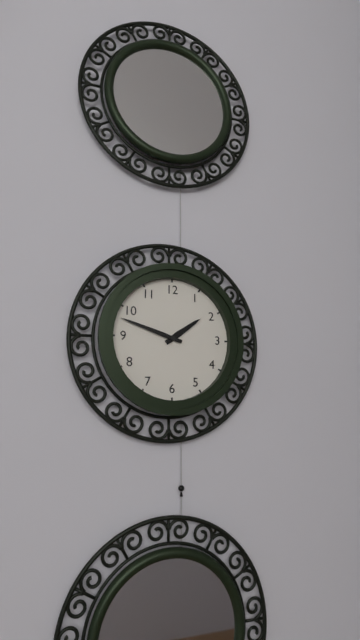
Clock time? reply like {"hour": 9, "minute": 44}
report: {"hour": 1, "minute": 48}
